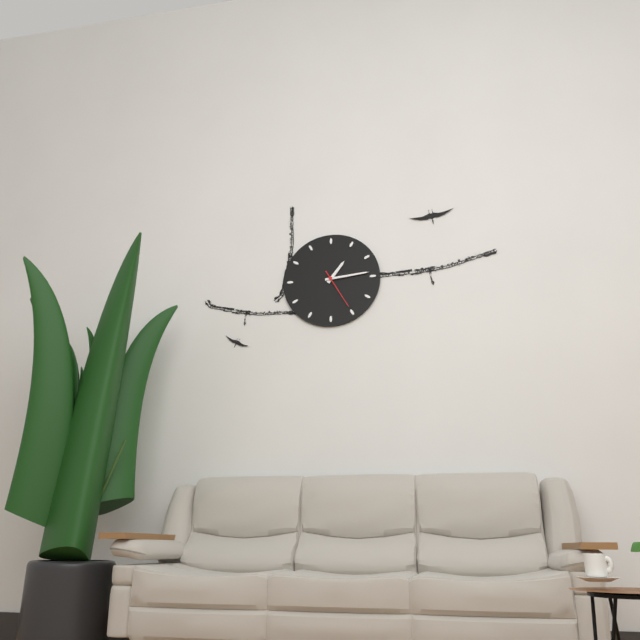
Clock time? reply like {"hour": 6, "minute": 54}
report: {"hour": 1, "minute": 14}
